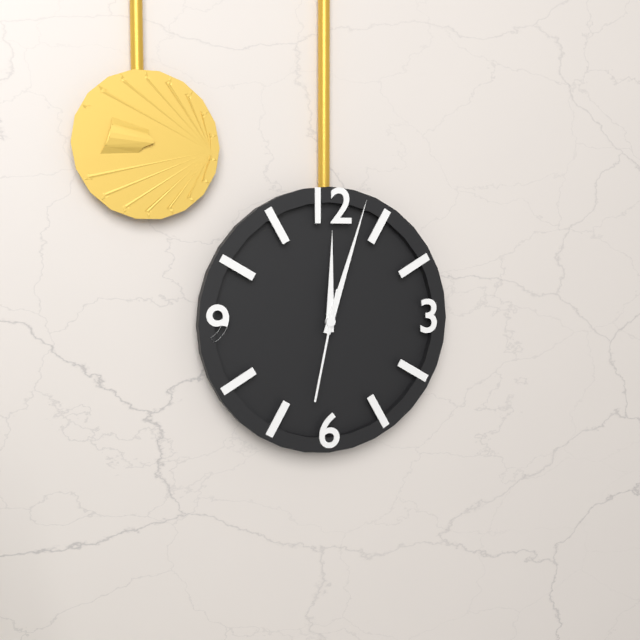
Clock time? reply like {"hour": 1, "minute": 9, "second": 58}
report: {"hour": 12, "minute": 3, "second": 32}
